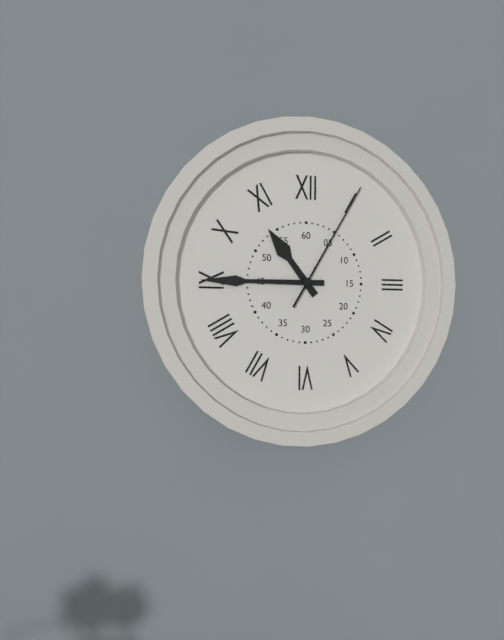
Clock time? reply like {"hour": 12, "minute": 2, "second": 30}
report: {"hour": 10, "minute": 45, "second": 5}
